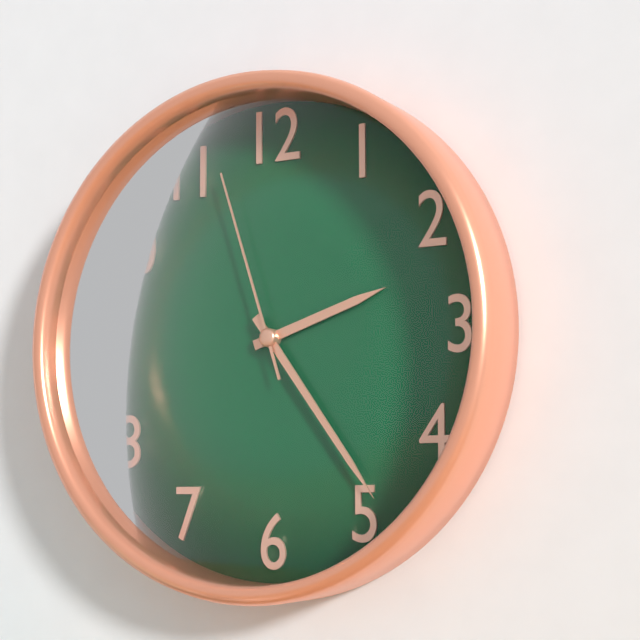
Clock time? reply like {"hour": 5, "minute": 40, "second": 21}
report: {"hour": 2, "minute": 24, "second": 57}
